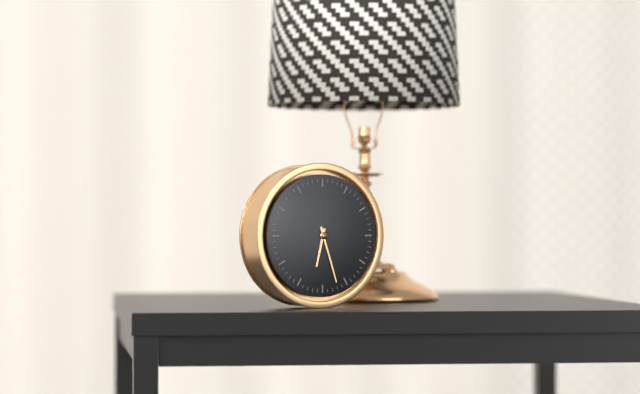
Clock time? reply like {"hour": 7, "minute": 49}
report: {"hour": 6, "minute": 27}
